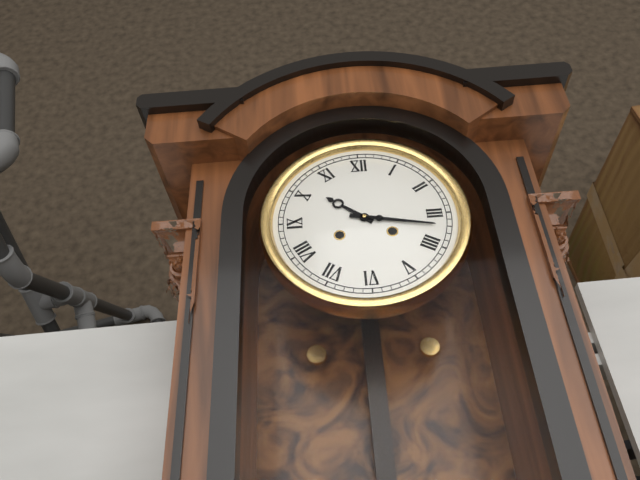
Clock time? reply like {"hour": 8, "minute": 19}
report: {"hour": 10, "minute": 17}
